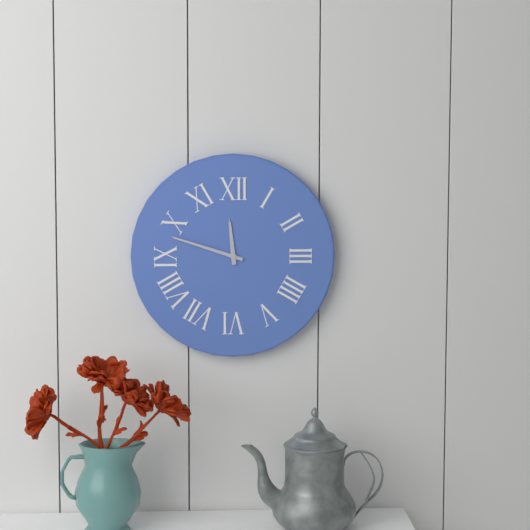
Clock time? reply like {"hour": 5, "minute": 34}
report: {"hour": 11, "minute": 48}
